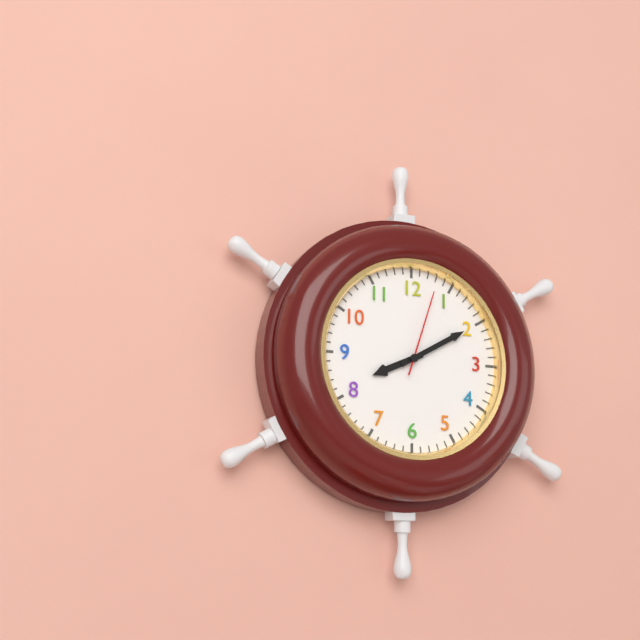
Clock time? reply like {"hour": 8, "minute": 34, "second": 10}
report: {"hour": 8, "minute": 10, "second": 3}
